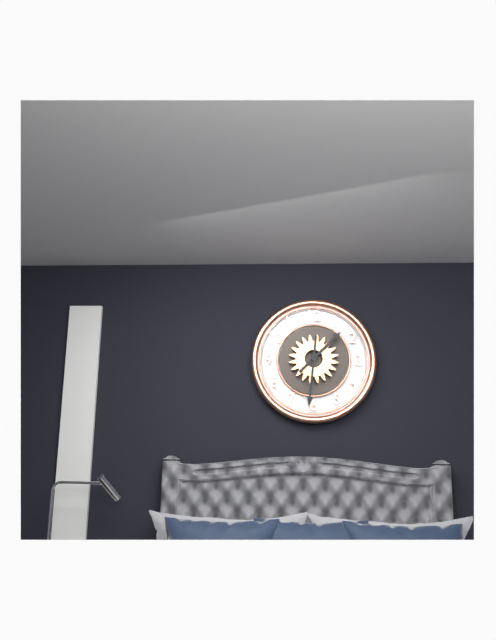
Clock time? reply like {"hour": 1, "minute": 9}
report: {"hour": 1, "minute": 31}
